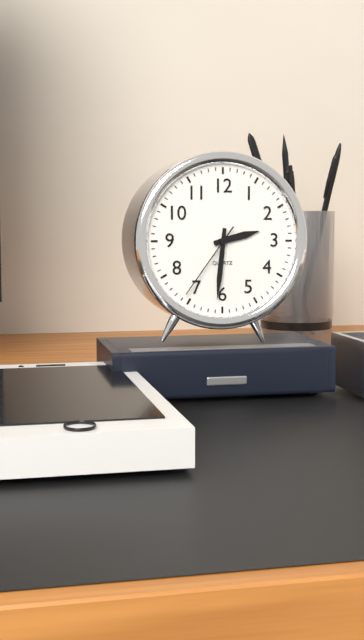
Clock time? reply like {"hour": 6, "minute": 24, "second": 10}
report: {"hour": 2, "minute": 31, "second": 36}
